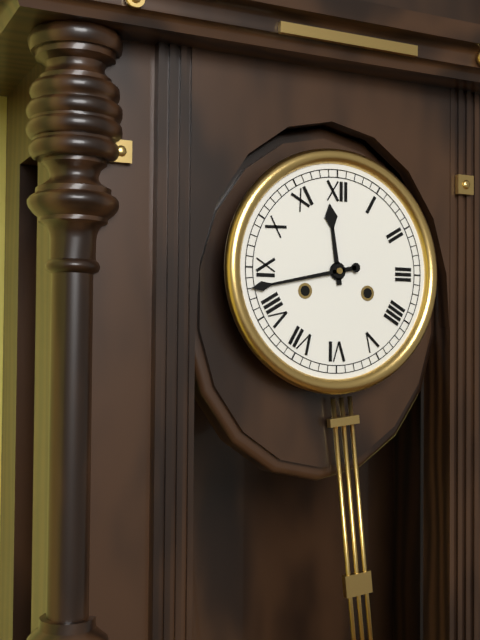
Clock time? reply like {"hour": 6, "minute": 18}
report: {"hour": 11, "minute": 43}
